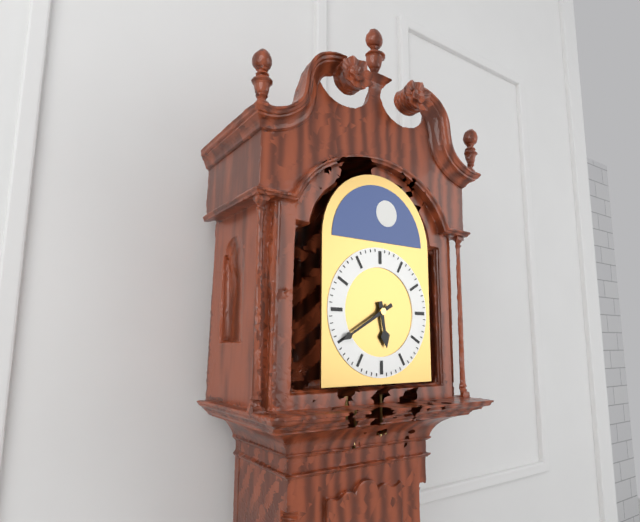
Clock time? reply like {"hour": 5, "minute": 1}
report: {"hour": 5, "minute": 40}
